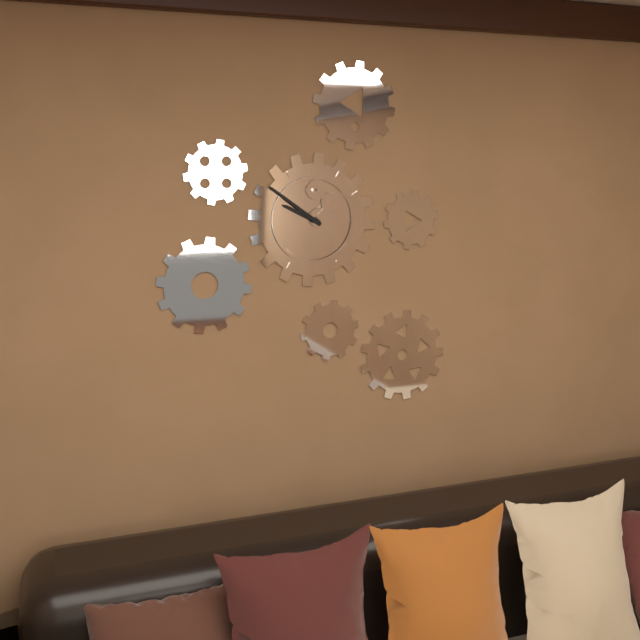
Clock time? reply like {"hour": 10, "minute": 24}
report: {"hour": 9, "minute": 51}
